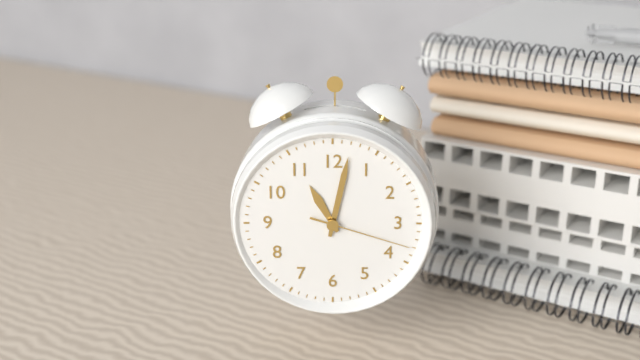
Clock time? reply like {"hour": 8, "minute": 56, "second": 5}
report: {"hour": 11, "minute": 2, "second": 18}
